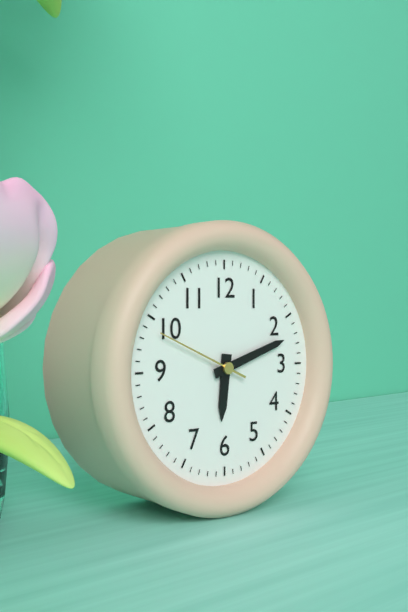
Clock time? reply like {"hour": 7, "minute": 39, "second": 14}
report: {"hour": 6, "minute": 12, "second": 49}
